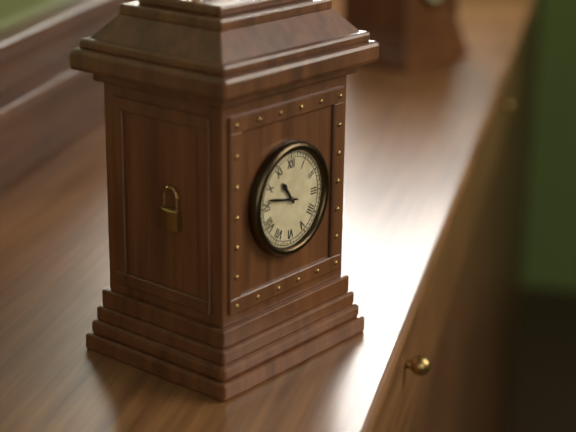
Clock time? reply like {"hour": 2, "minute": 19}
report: {"hour": 10, "minute": 47}
